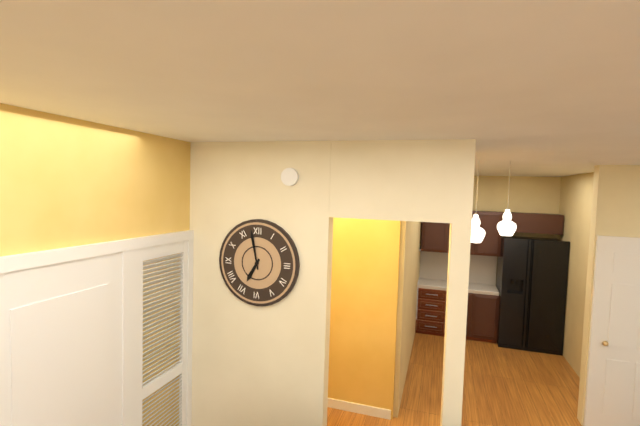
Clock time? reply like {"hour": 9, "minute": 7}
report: {"hour": 6, "minute": 58}
